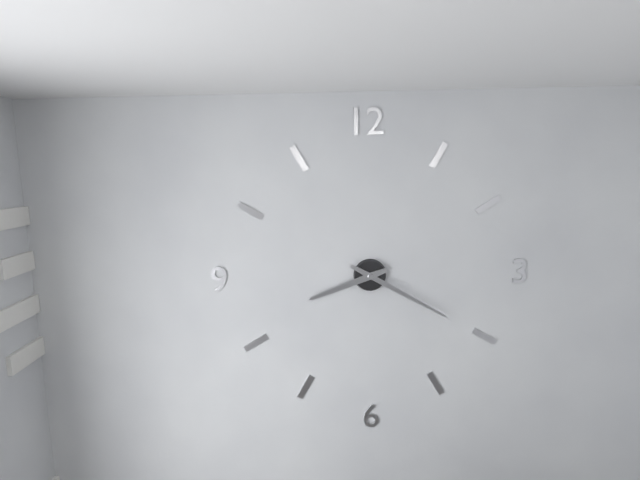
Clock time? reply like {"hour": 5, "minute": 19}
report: {"hour": 8, "minute": 20}
